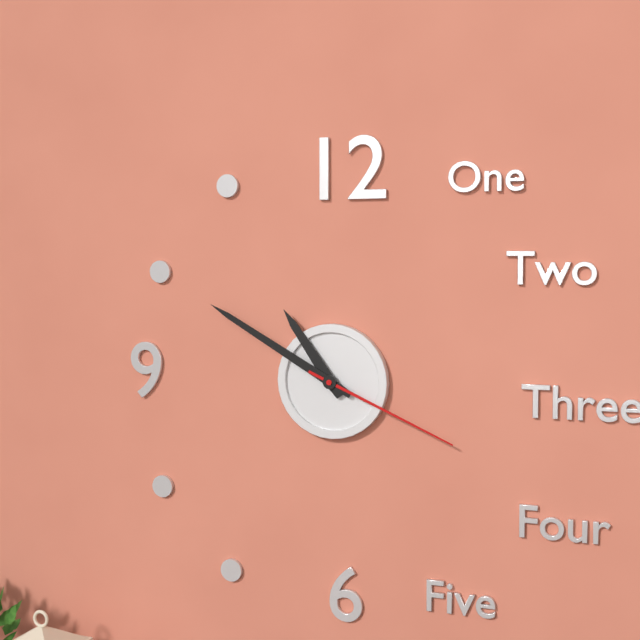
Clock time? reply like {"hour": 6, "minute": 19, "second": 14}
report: {"hour": 10, "minute": 50, "second": 19}
